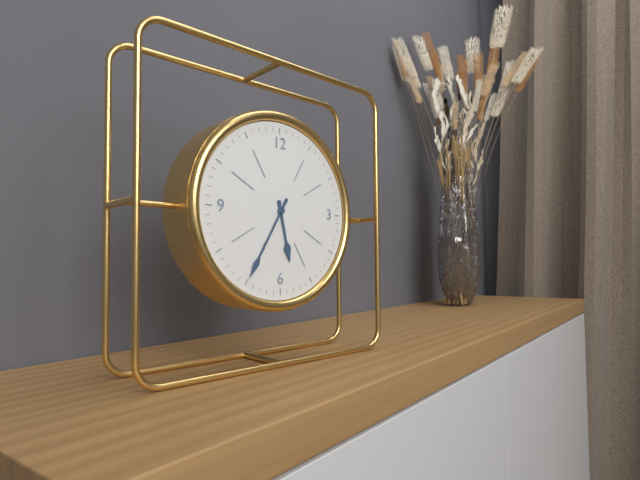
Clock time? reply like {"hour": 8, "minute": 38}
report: {"hour": 5, "minute": 35}
